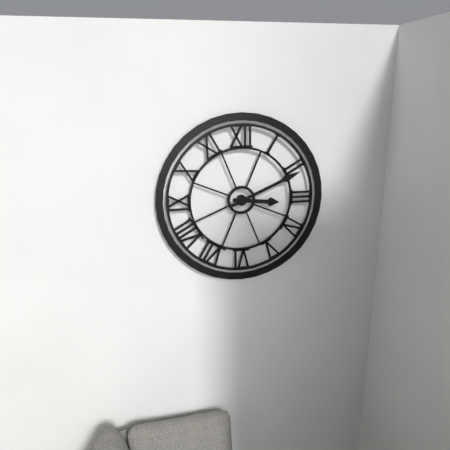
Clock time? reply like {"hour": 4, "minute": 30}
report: {"hour": 3, "minute": 11}
